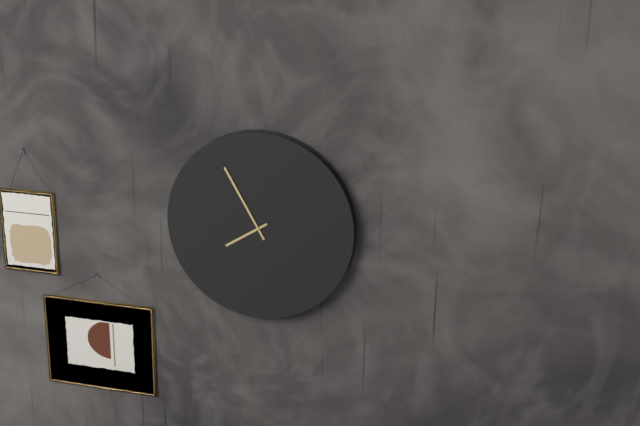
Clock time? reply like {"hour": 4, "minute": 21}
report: {"hour": 7, "minute": 55}
